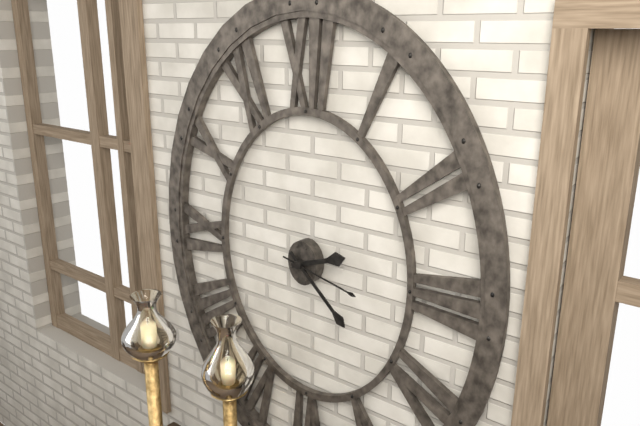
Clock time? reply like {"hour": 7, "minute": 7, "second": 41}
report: {"hour": 2, "minute": 22, "second": 17}
